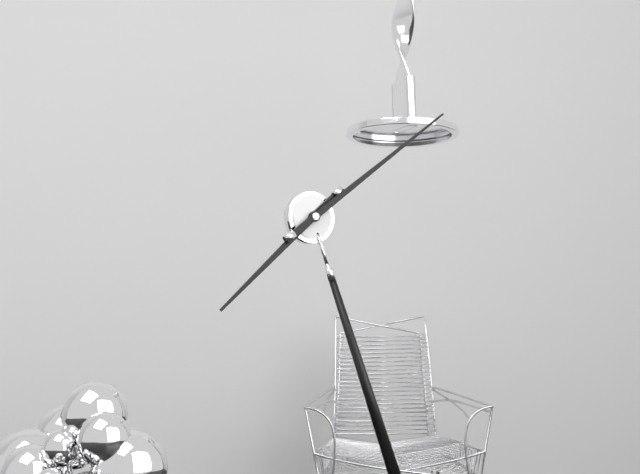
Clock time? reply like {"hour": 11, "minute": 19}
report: {"hour": 8, "minute": 12}
